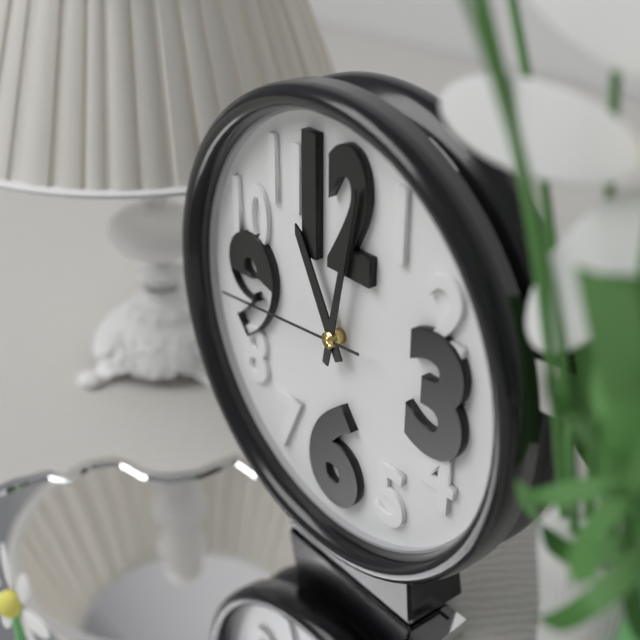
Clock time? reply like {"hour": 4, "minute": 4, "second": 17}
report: {"hour": 11, "minute": 2, "second": 44}
